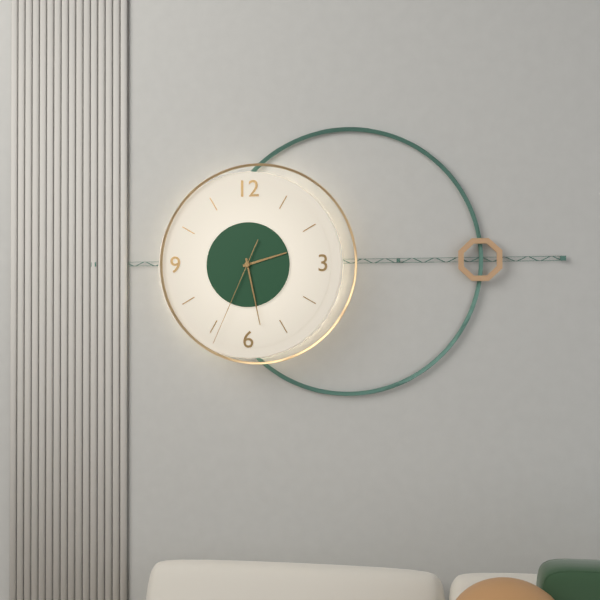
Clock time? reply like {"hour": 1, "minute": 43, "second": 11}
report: {"hour": 2, "minute": 28, "second": 34}
